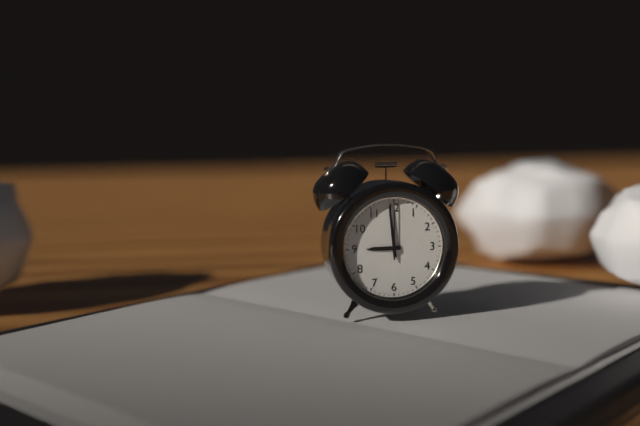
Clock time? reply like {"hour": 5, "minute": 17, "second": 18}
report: {"hour": 8, "minute": 59, "second": 0}
